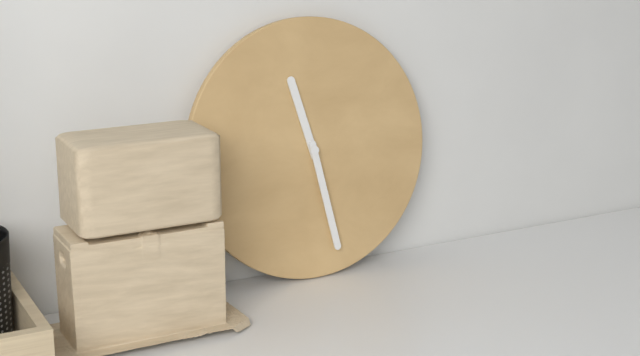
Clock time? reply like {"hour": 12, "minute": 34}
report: {"hour": 11, "minute": 28}
